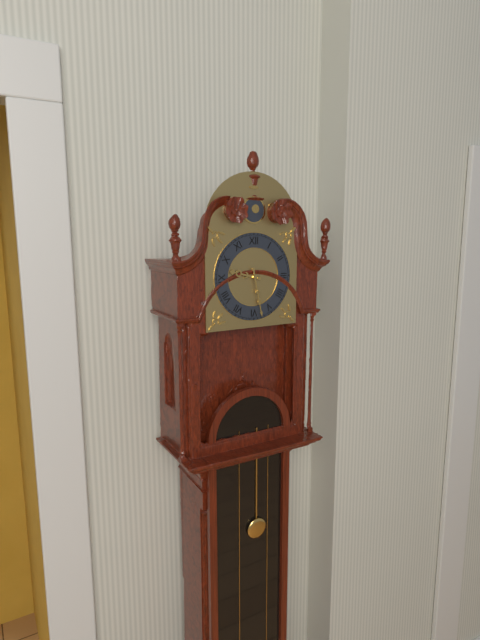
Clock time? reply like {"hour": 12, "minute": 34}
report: {"hour": 9, "minute": 28}
